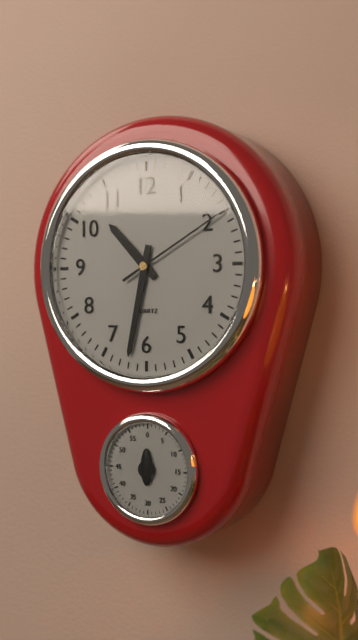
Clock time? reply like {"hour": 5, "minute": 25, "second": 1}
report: {"hour": 10, "minute": 32, "second": 10}
